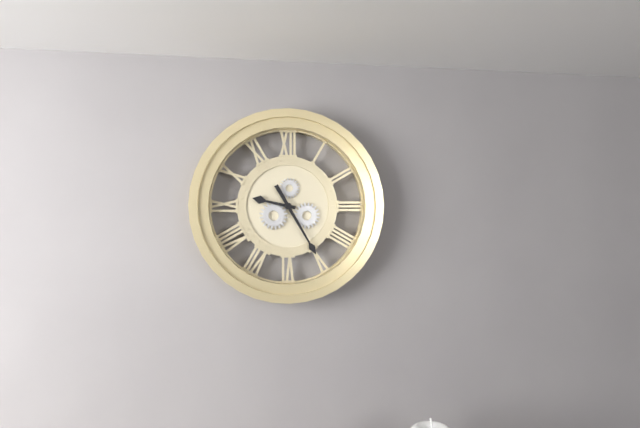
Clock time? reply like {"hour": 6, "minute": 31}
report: {"hour": 9, "minute": 25}
